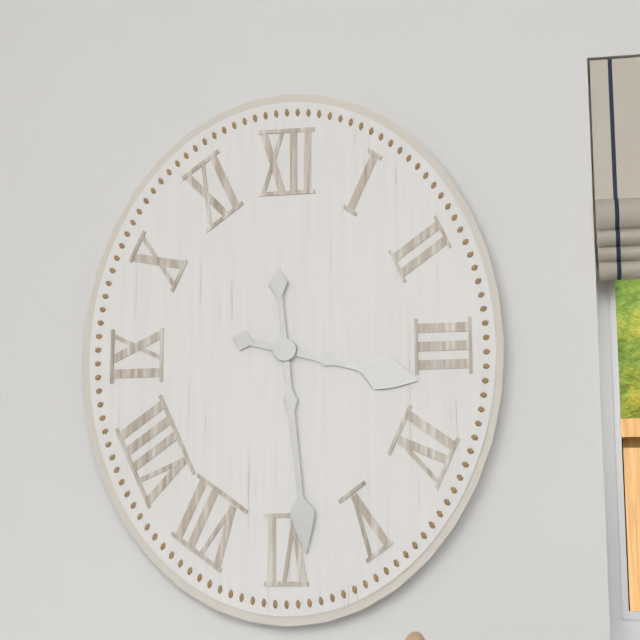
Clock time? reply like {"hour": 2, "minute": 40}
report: {"hour": 3, "minute": 29}
